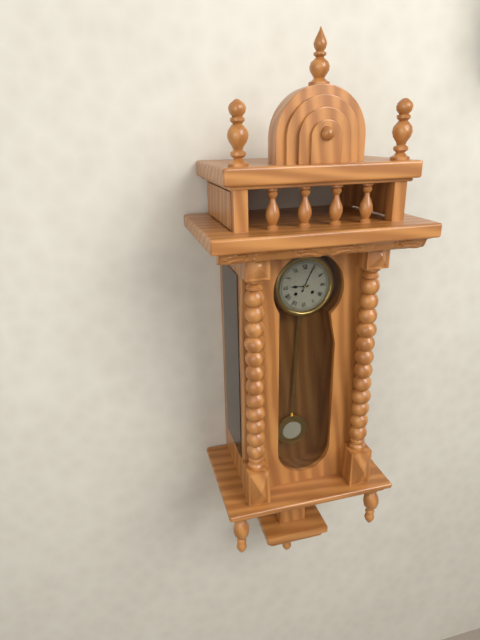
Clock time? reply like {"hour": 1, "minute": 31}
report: {"hour": 9, "minute": 4}
